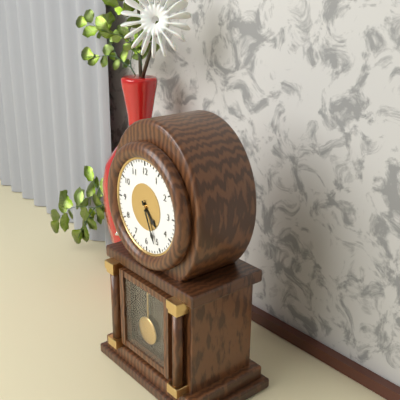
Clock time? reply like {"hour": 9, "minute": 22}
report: {"hour": 4, "minute": 26}
